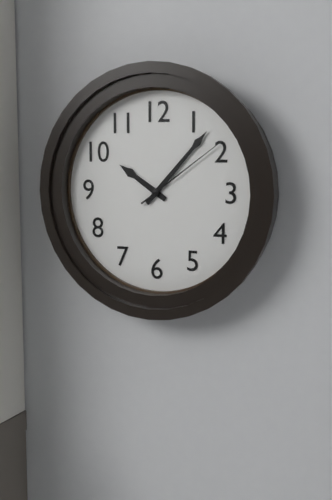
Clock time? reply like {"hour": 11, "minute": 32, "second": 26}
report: {"hour": 10, "minute": 7, "second": 9}
